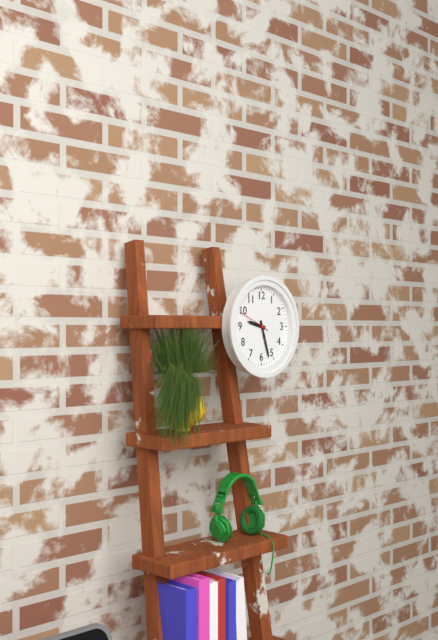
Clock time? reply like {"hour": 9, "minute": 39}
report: {"hour": 9, "minute": 27}
